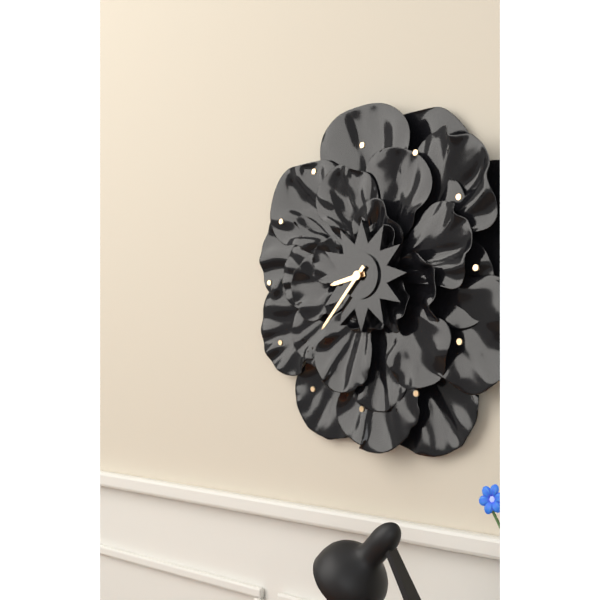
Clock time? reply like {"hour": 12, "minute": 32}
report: {"hour": 8, "minute": 37}
